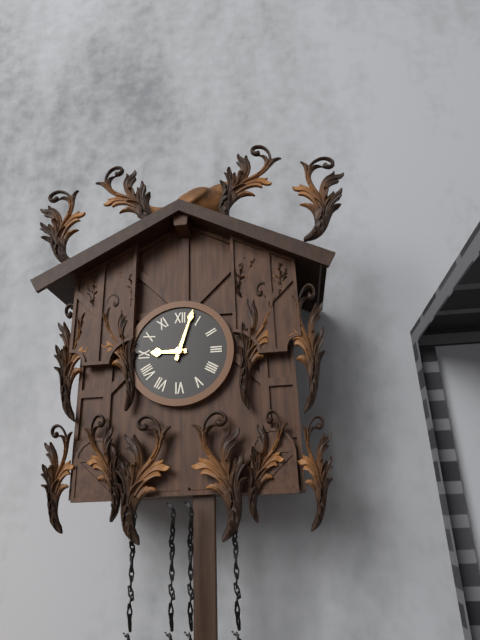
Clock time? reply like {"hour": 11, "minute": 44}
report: {"hour": 9, "minute": 3}
